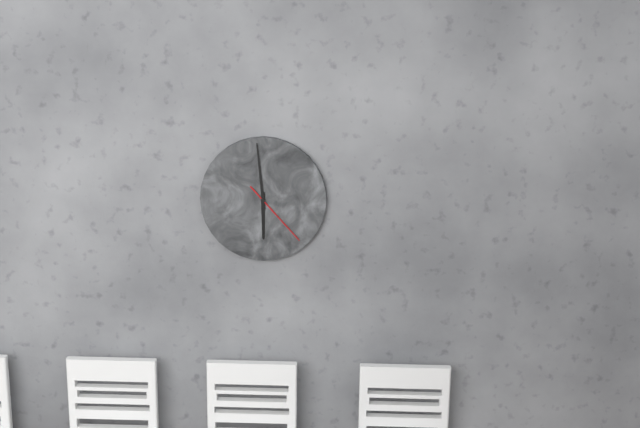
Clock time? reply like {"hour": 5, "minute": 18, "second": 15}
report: {"hour": 5, "minute": 59, "second": 23}
